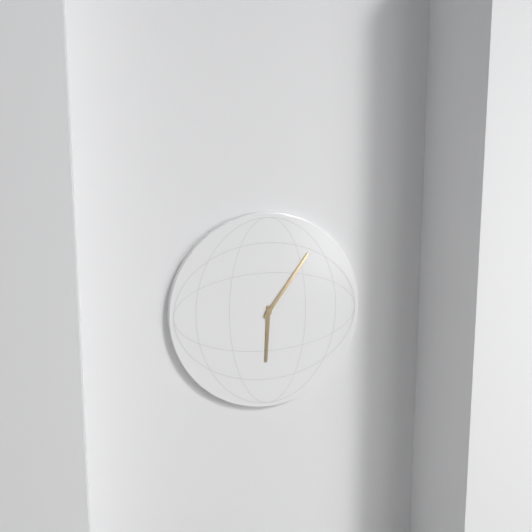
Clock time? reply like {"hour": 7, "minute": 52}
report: {"hour": 6, "minute": 6}
